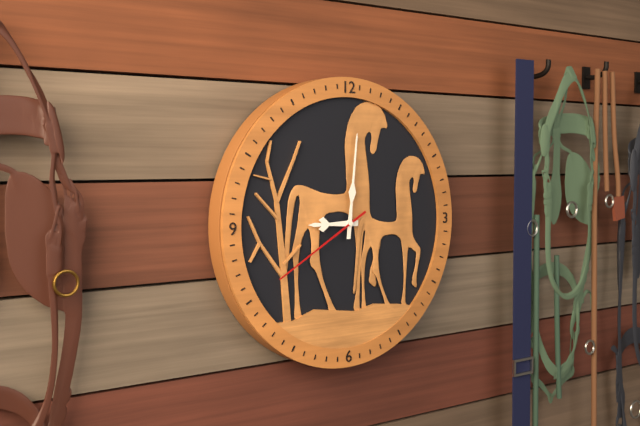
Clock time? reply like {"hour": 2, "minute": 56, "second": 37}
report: {"hour": 9, "minute": 1, "second": 40}
